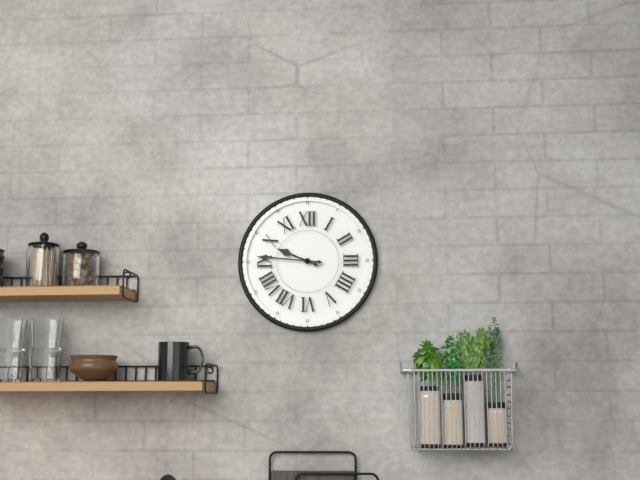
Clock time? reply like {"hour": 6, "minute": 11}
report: {"hour": 9, "minute": 46}
